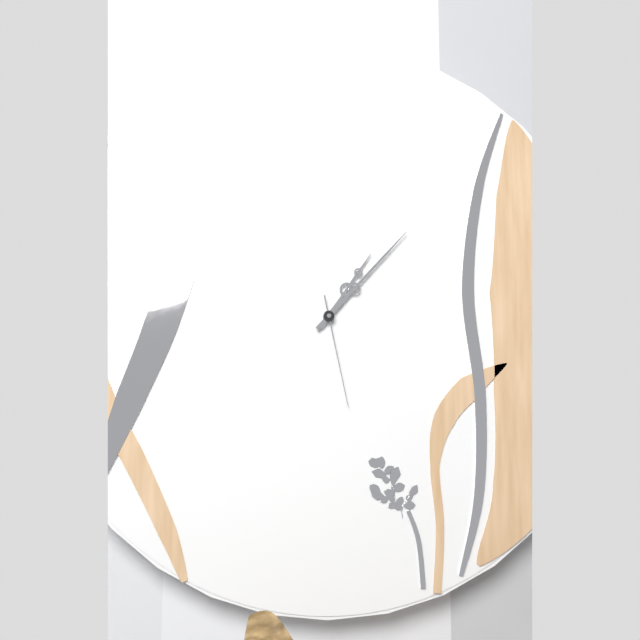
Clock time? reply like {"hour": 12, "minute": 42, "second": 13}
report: {"hour": 1, "minute": 7, "second": 28}
